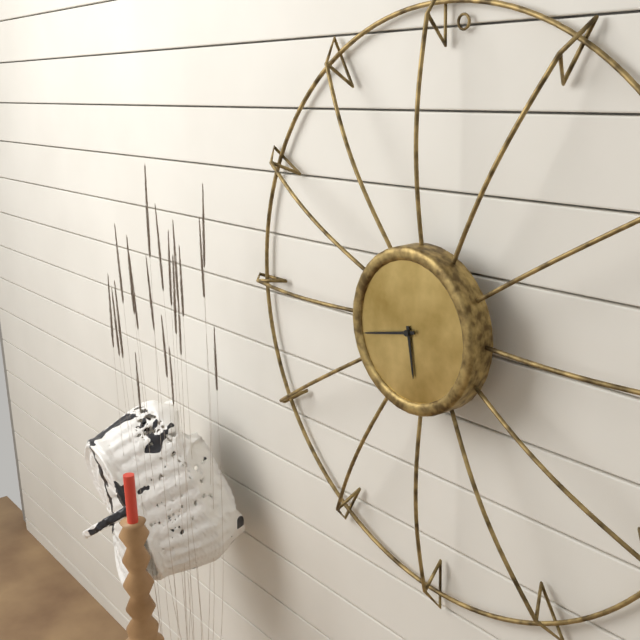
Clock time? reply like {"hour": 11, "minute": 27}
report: {"hour": 5, "minute": 43}
